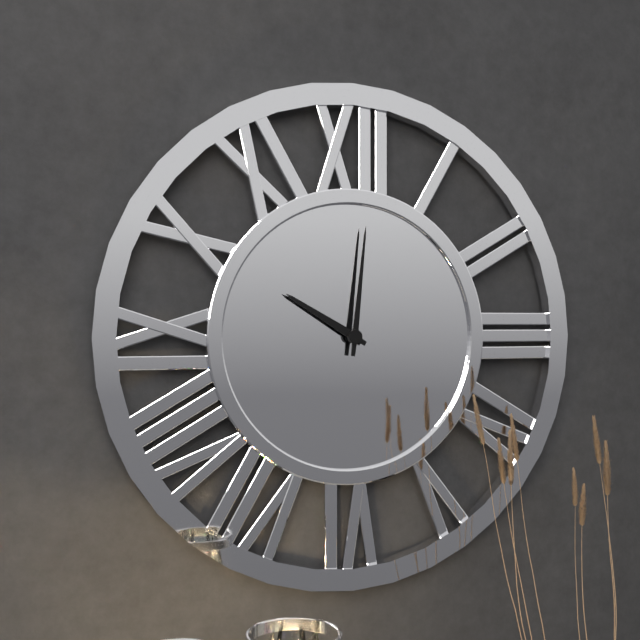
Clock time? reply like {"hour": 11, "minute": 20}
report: {"hour": 10, "minute": 1}
